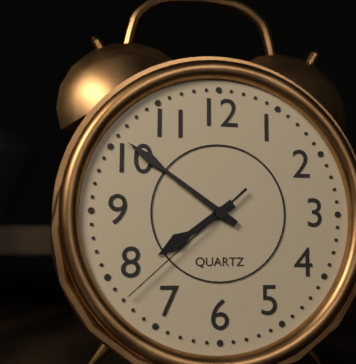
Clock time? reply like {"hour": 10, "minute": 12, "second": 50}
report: {"hour": 7, "minute": 51, "second": 38}
